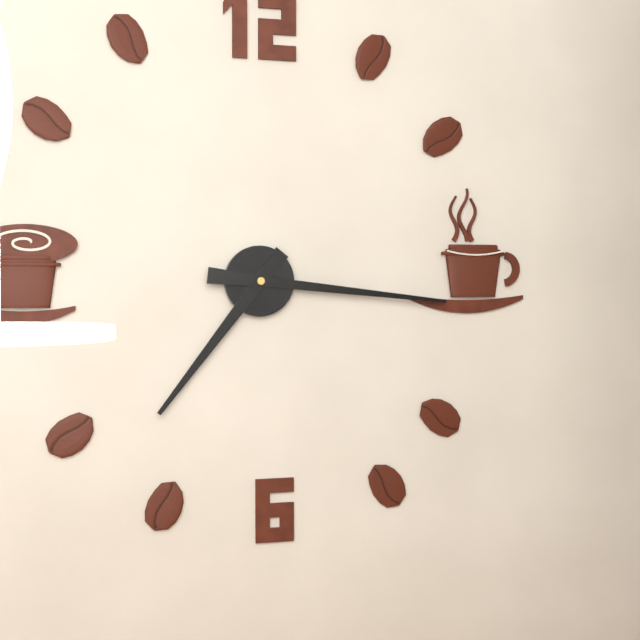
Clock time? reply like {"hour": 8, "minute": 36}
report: {"hour": 7, "minute": 16}
